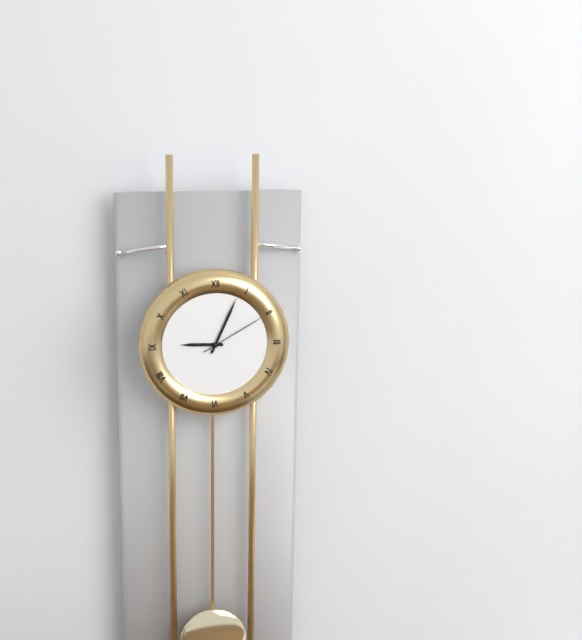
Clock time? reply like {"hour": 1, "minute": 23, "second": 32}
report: {"hour": 9, "minute": 4, "second": 10}
